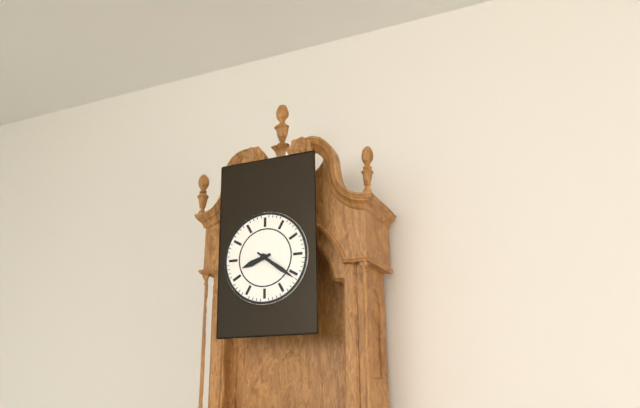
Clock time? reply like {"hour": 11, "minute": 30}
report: {"hour": 8, "minute": 21}
